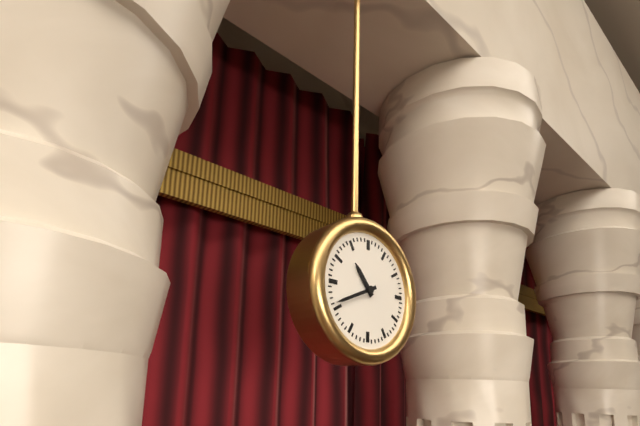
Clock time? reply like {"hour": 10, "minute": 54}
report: {"hour": 10, "minute": 41}
